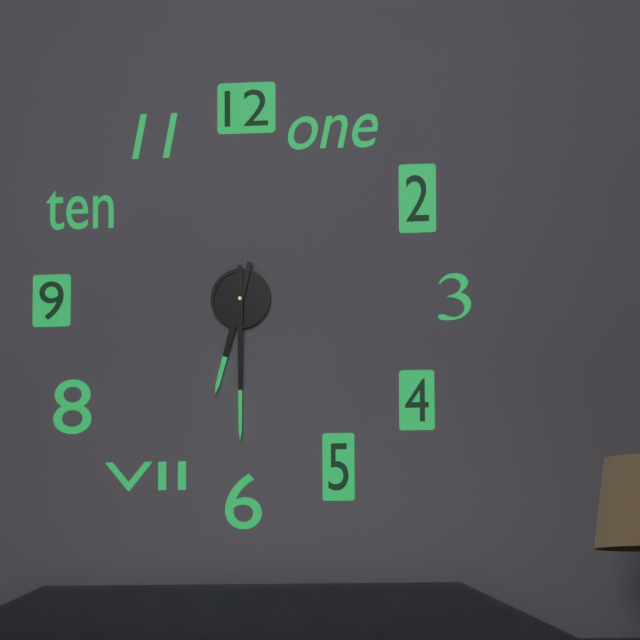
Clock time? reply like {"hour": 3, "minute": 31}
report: {"hour": 6, "minute": 30}
